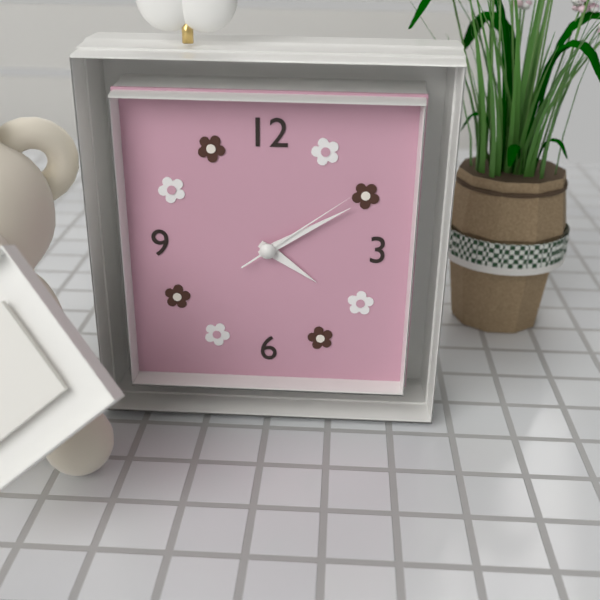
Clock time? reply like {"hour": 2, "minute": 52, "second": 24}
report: {"hour": 4, "minute": 10, "second": 9}
